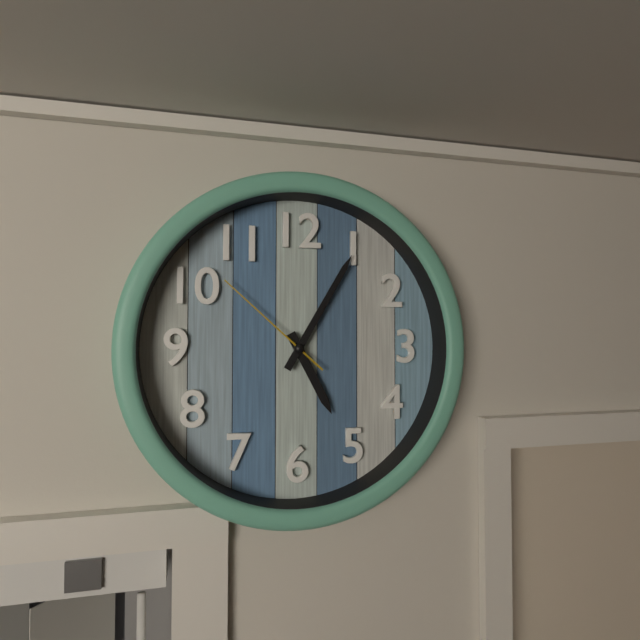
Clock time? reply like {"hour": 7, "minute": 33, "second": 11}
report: {"hour": 5, "minute": 5, "second": 52}
